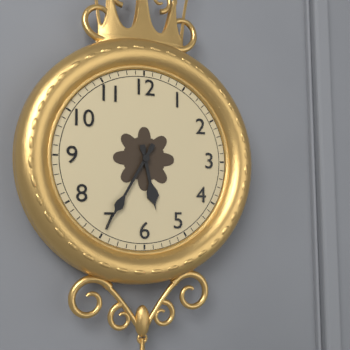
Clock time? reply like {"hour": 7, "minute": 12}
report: {"hour": 5, "minute": 35}
